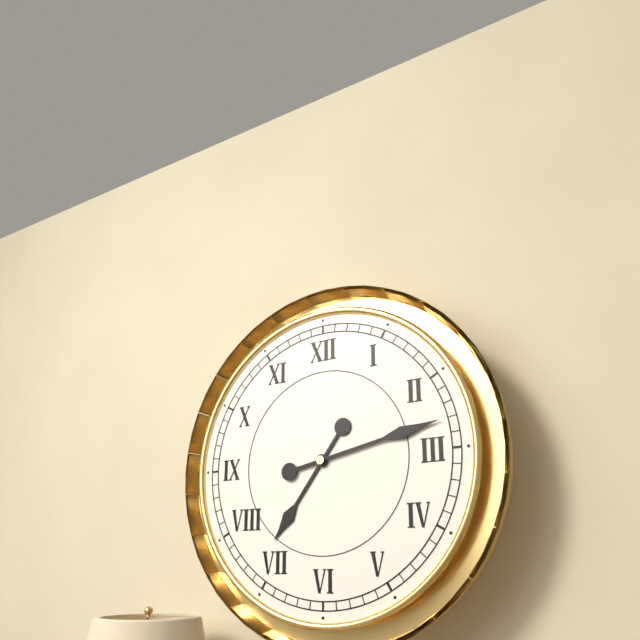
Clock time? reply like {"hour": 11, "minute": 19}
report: {"hour": 7, "minute": 13}
